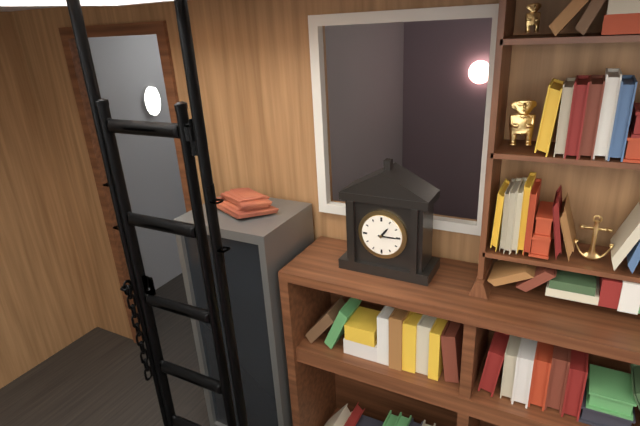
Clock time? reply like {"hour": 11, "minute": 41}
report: {"hour": 1, "minute": 15}
